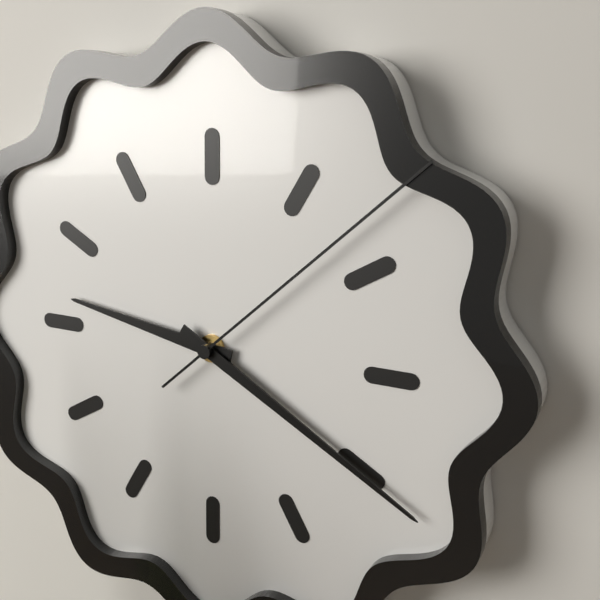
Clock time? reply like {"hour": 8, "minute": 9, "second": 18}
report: {"hour": 9, "minute": 20, "second": 8}
